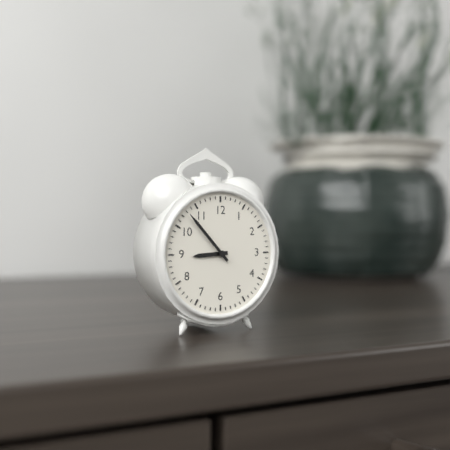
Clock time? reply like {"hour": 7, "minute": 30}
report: {"hour": 8, "minute": 53}
